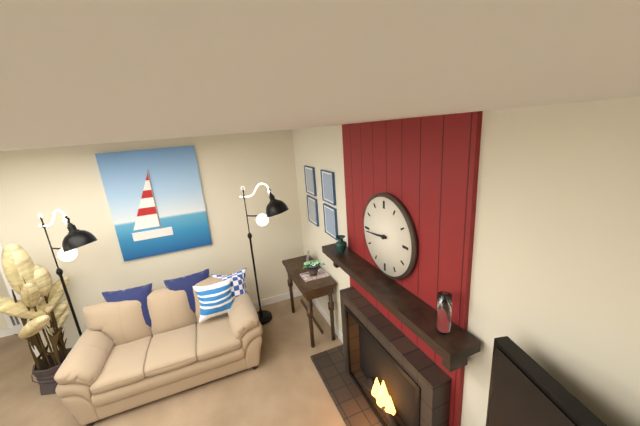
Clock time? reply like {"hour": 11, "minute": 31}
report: {"hour": 8, "minute": 44}
